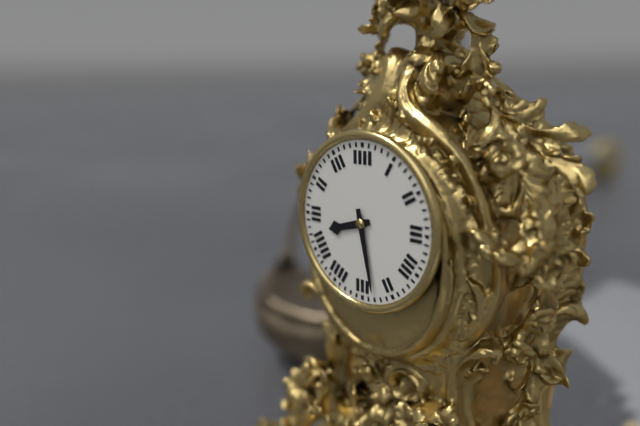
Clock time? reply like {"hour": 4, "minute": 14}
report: {"hour": 8, "minute": 28}
